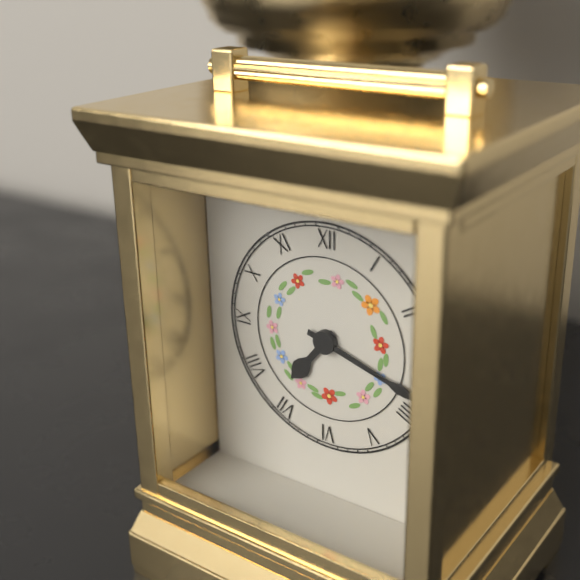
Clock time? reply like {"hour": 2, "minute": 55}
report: {"hour": 7, "minute": 18}
